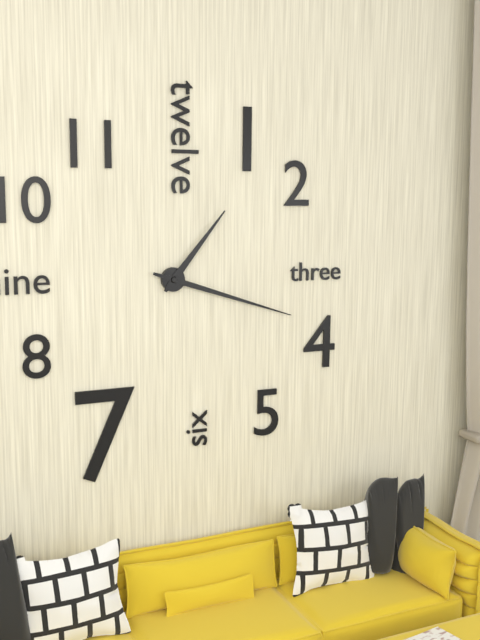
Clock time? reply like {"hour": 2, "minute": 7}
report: {"hour": 1, "minute": 18}
